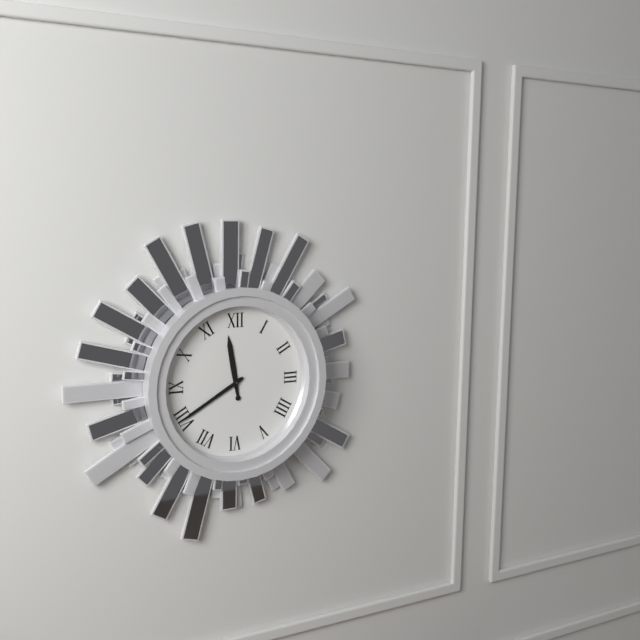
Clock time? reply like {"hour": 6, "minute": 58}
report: {"hour": 11, "minute": 40}
